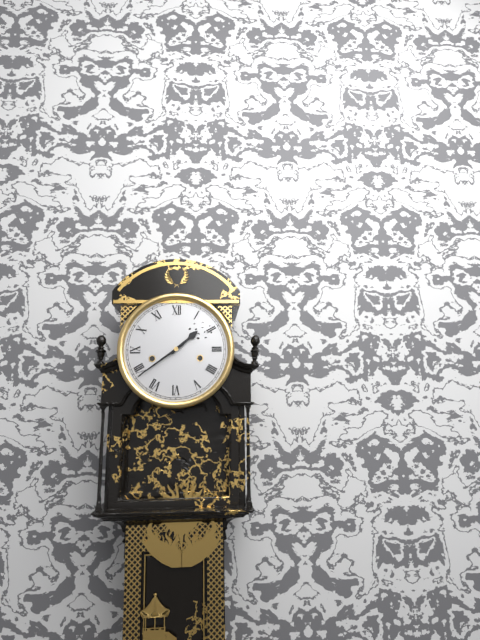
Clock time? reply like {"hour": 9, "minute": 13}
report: {"hour": 1, "minute": 39}
